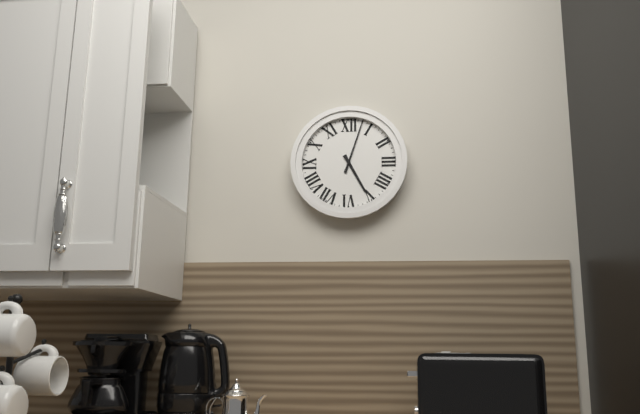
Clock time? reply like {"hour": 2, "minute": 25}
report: {"hour": 5, "minute": 3}
